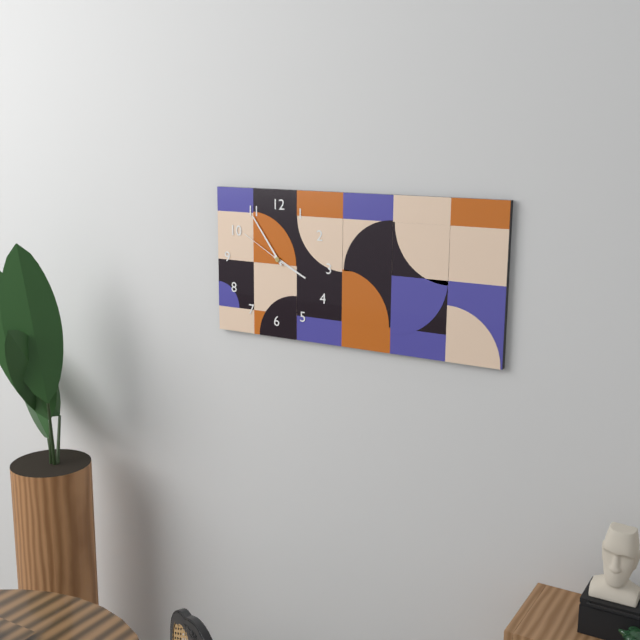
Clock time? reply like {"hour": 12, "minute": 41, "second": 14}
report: {"hour": 3, "minute": 54, "second": 50}
